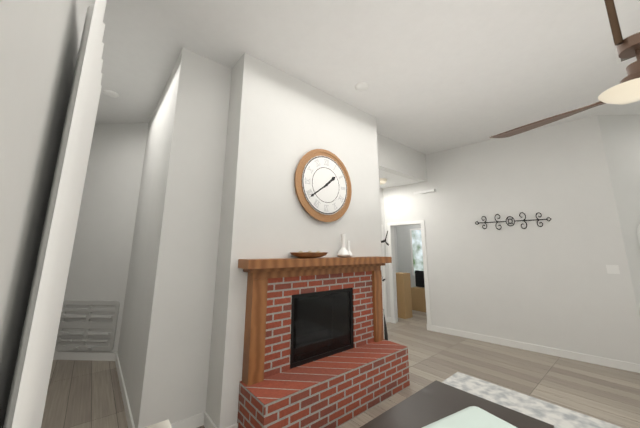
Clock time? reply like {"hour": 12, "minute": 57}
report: {"hour": 1, "minute": 39}
